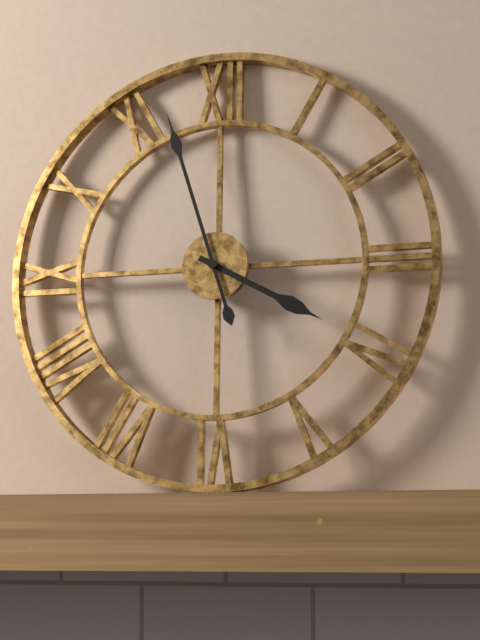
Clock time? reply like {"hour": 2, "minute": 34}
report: {"hour": 3, "minute": 57}
